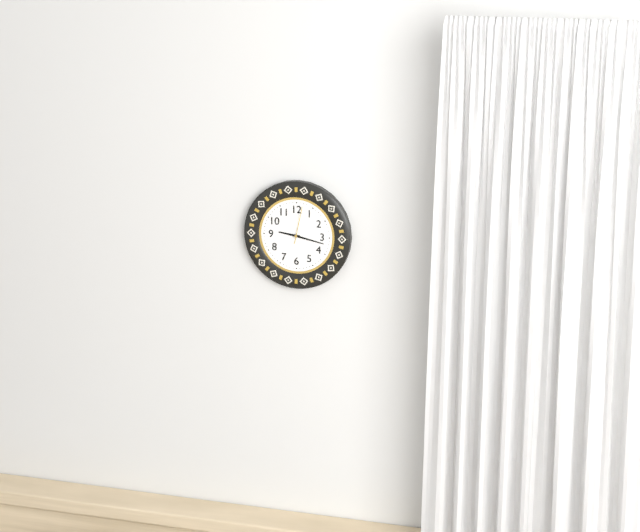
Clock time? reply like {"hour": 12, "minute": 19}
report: {"hour": 9, "minute": 17}
